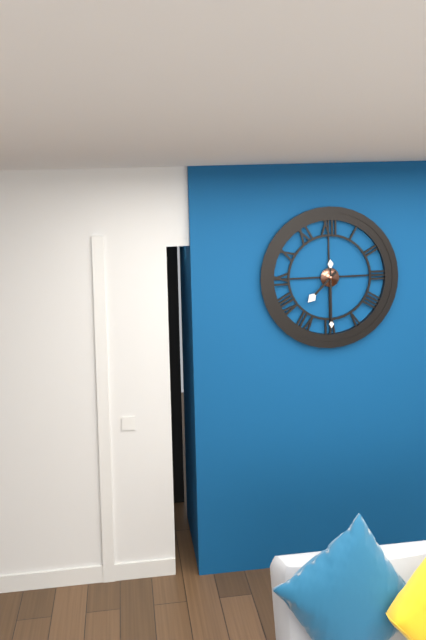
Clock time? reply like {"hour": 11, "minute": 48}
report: {"hour": 7, "minute": 30}
